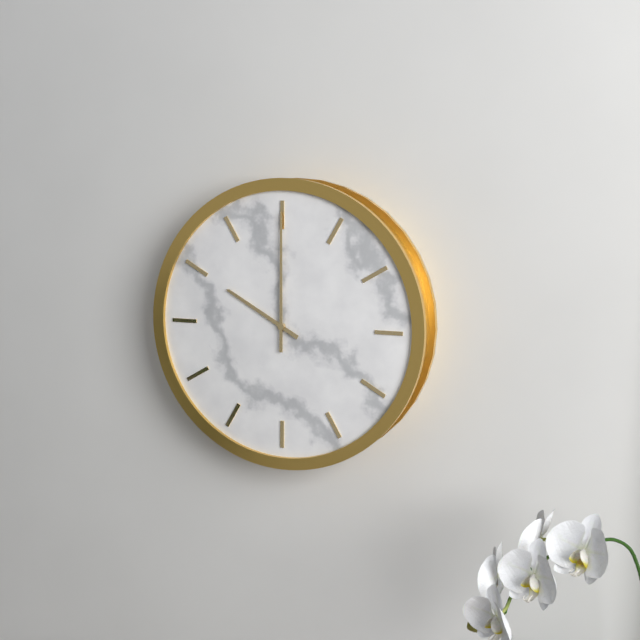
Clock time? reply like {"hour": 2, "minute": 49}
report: {"hour": 10, "minute": 0}
